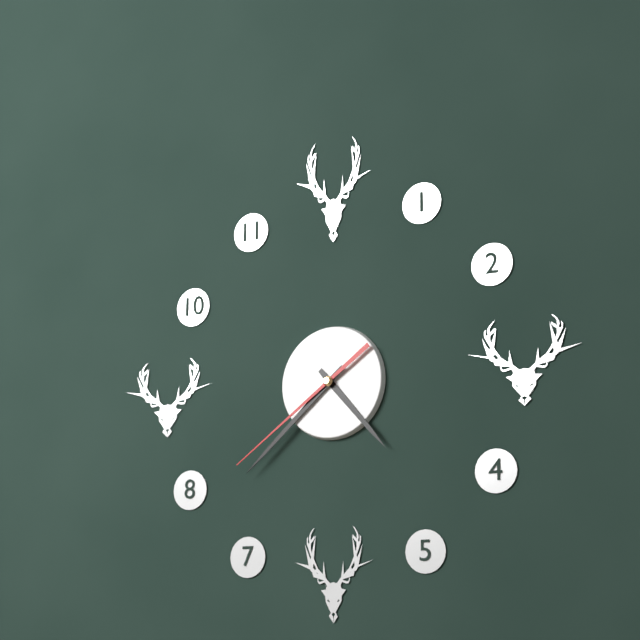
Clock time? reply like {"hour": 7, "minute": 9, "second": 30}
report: {"hour": 4, "minute": 38, "second": 39}
